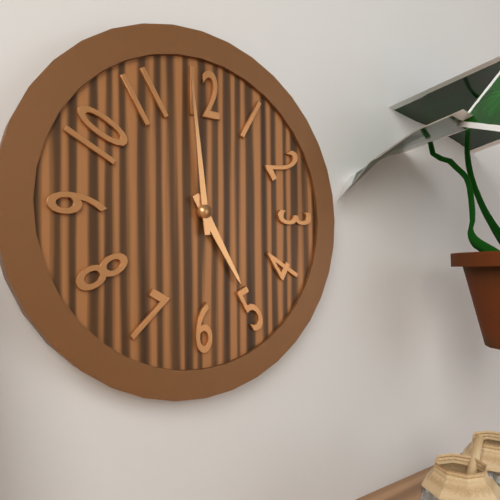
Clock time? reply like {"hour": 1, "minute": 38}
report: {"hour": 4, "minute": 59}
